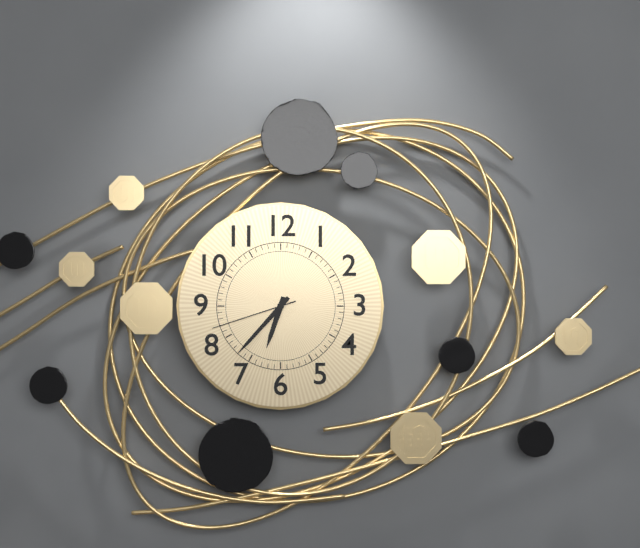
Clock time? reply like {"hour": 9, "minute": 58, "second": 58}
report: {"hour": 6, "minute": 37, "second": 42}
